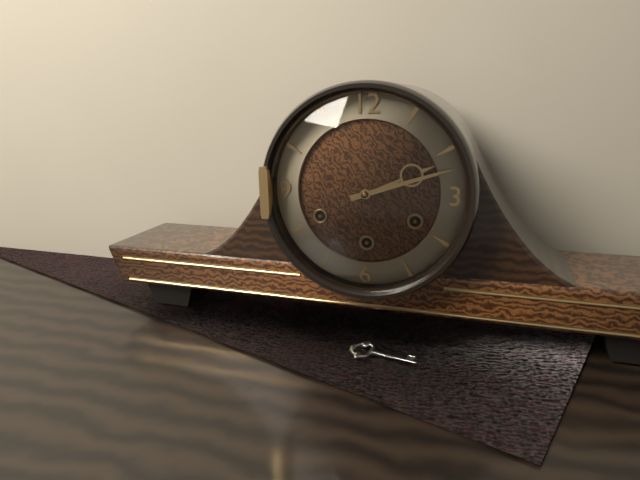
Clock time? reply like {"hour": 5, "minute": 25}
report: {"hour": 2, "minute": 12}
